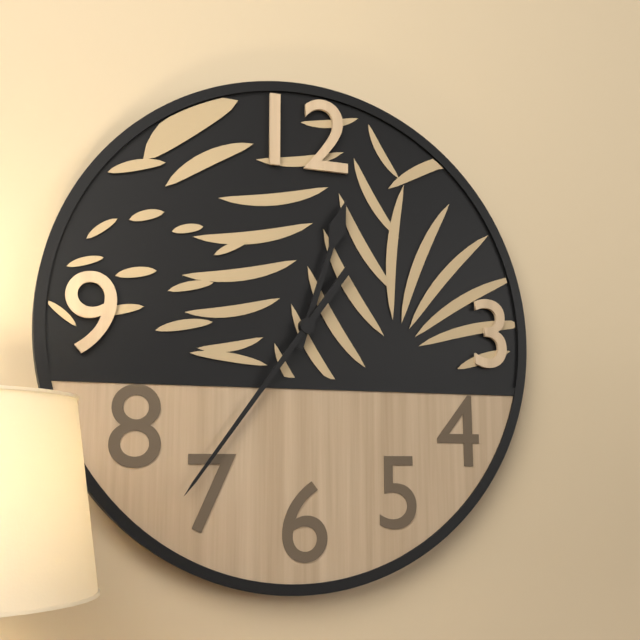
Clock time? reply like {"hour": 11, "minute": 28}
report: {"hour": 12, "minute": 36}
